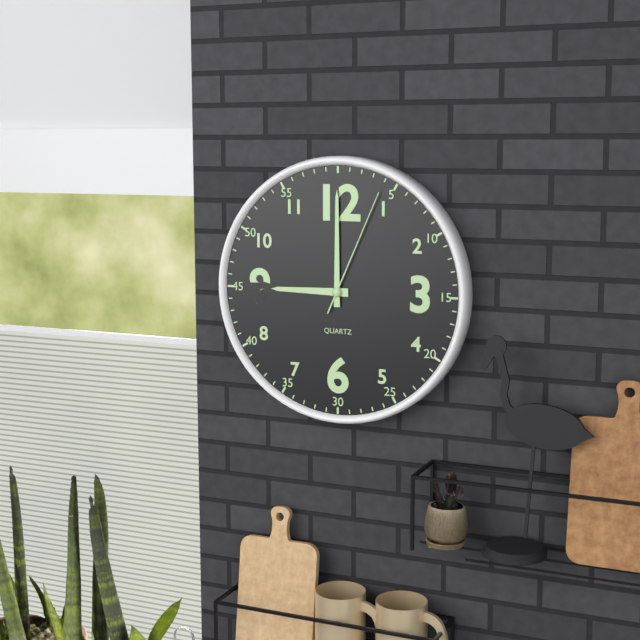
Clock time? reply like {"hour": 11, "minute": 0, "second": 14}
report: {"hour": 9, "minute": 0, "second": 4}
